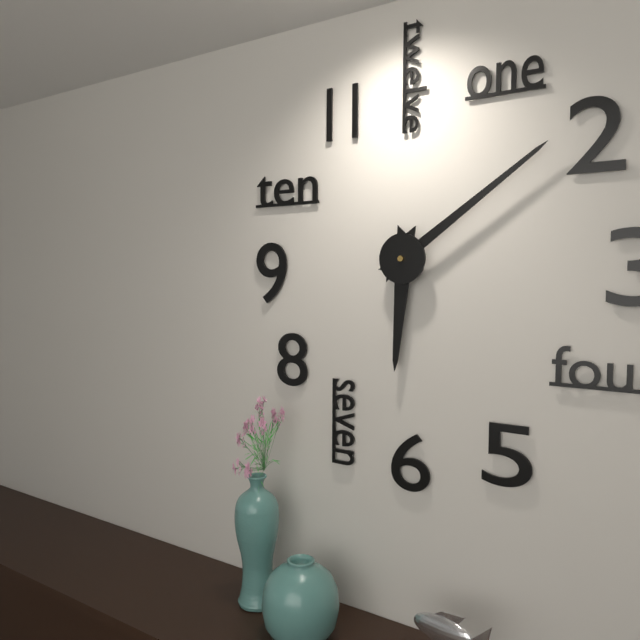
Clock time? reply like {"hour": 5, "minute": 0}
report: {"hour": 6, "minute": 9}
